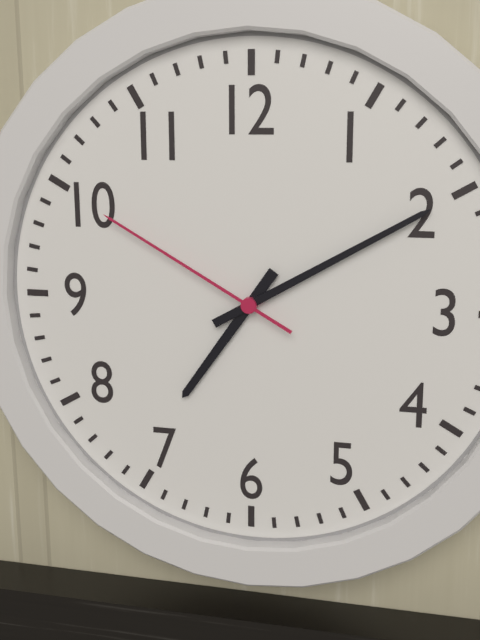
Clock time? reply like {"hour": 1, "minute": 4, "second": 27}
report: {"hour": 7, "minute": 10, "second": 50}
